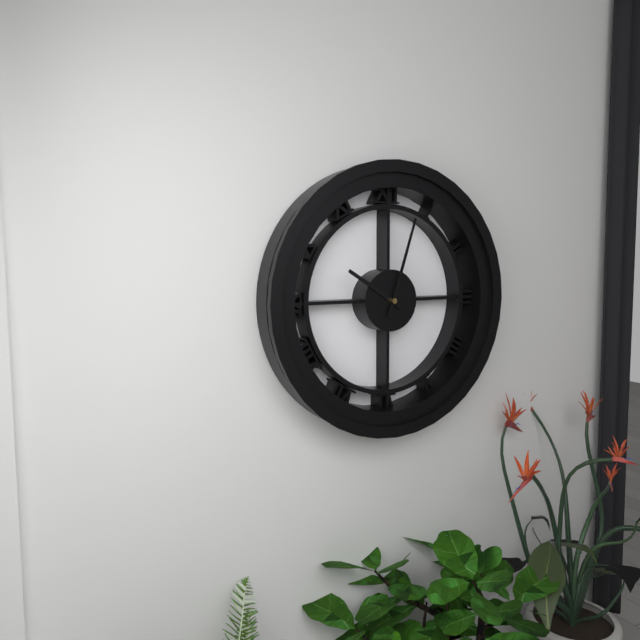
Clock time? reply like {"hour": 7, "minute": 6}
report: {"hour": 10, "minute": 3}
